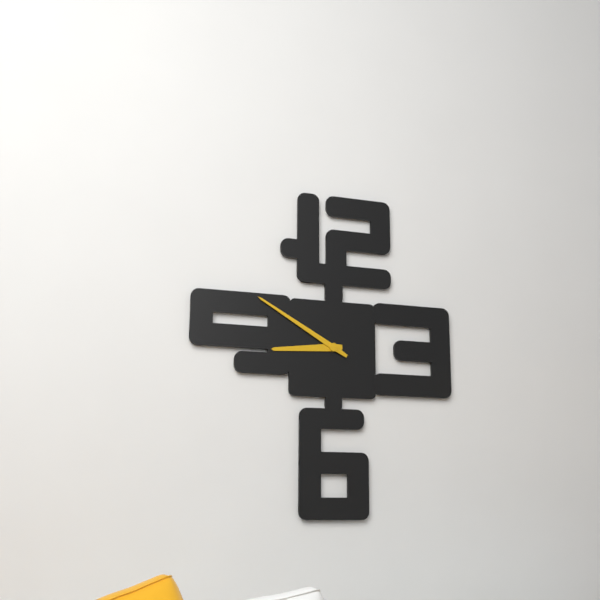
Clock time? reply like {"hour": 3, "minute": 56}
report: {"hour": 8, "minute": 50}
